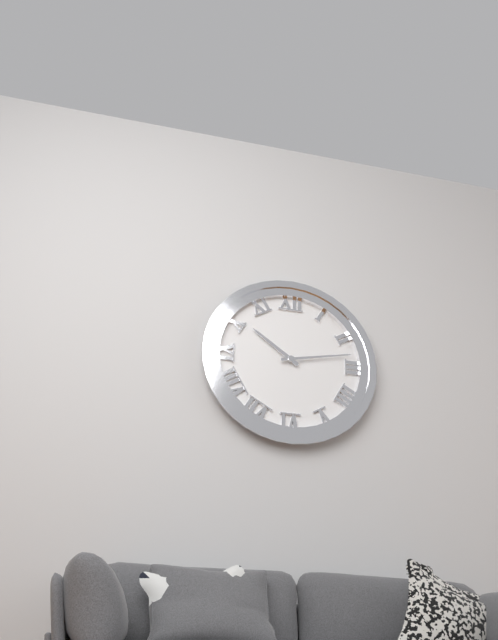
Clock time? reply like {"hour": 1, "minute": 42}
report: {"hour": 10, "minute": 13}
